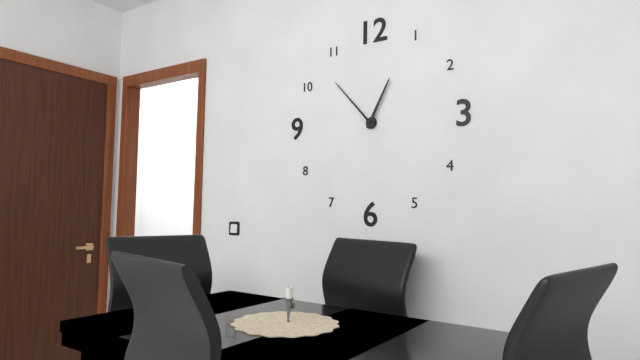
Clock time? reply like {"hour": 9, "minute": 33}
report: {"hour": 12, "minute": 53}
